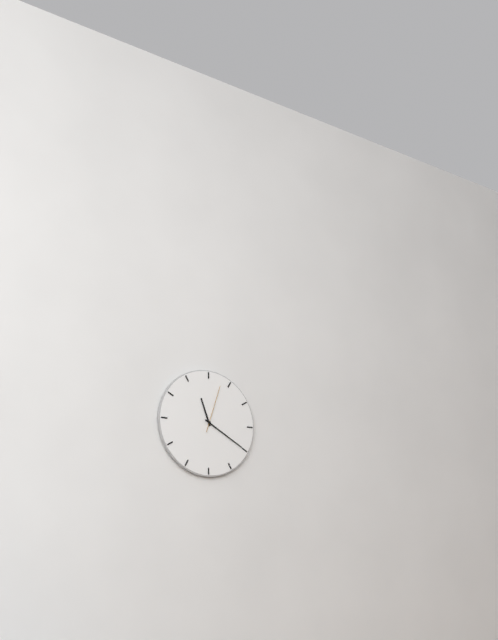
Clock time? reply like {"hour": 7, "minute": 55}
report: {"hour": 11, "minute": 20}
